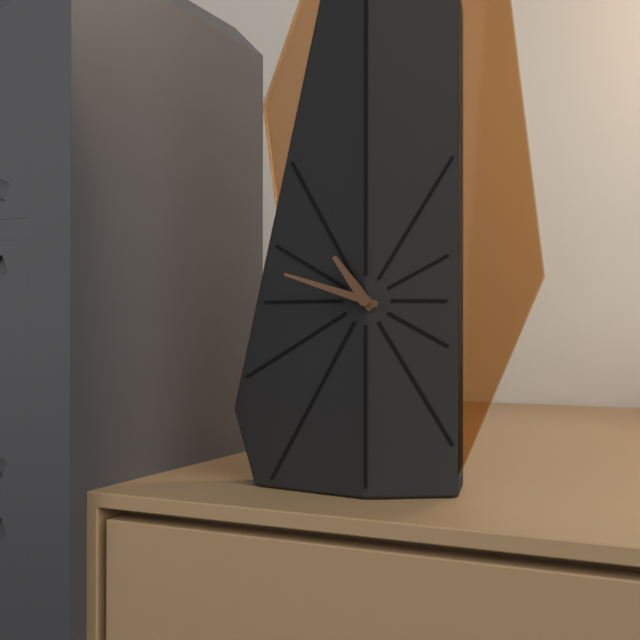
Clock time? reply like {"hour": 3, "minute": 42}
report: {"hour": 10, "minute": 48}
